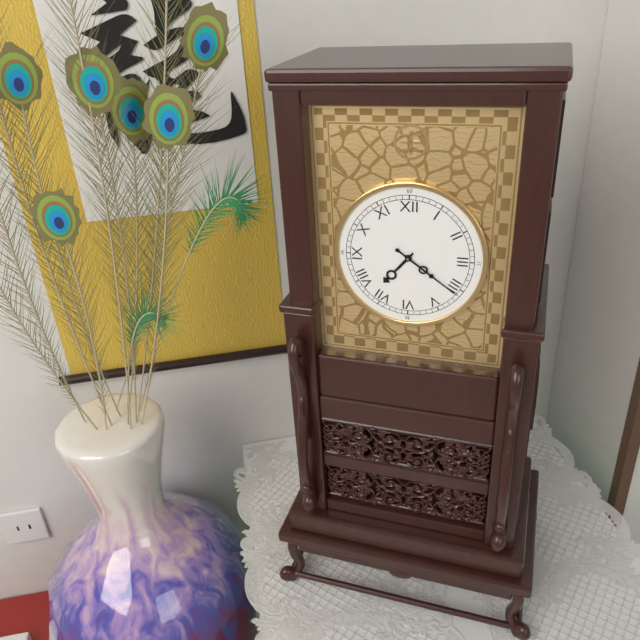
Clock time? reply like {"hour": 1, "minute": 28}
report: {"hour": 7, "minute": 21}
